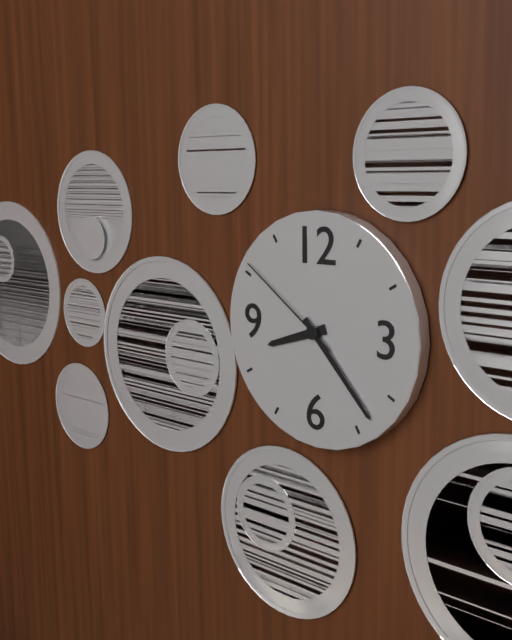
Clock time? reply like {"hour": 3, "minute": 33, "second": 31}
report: {"hour": 8, "minute": 23, "second": 51}
